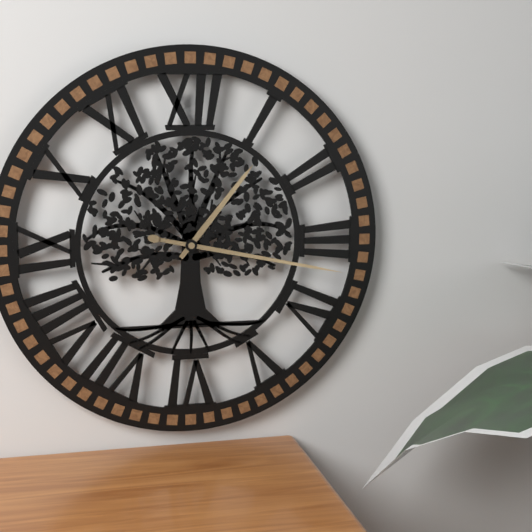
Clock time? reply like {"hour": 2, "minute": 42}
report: {"hour": 1, "minute": 17}
